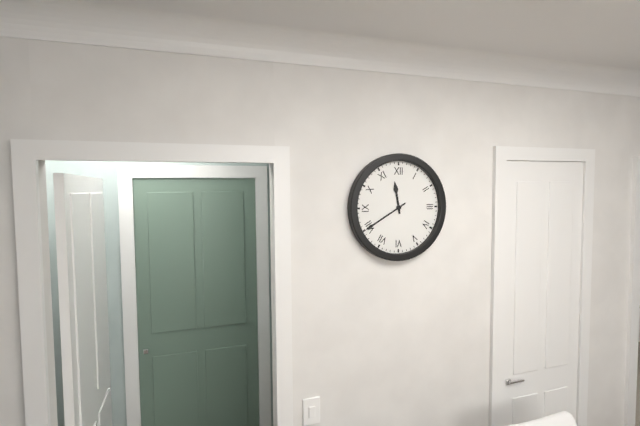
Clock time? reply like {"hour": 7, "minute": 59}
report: {"hour": 11, "minute": 40}
